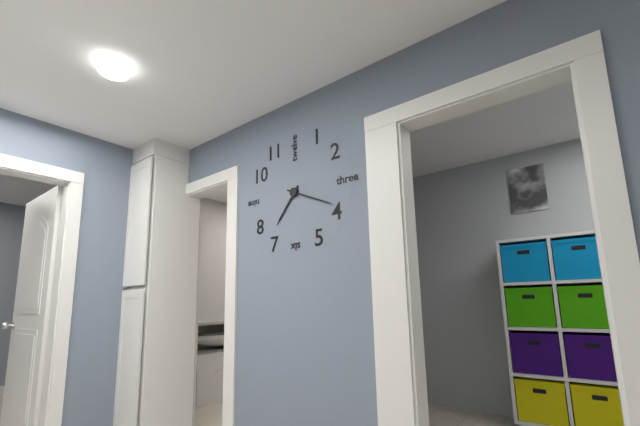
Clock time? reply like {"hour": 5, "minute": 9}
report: {"hour": 7, "minute": 19}
